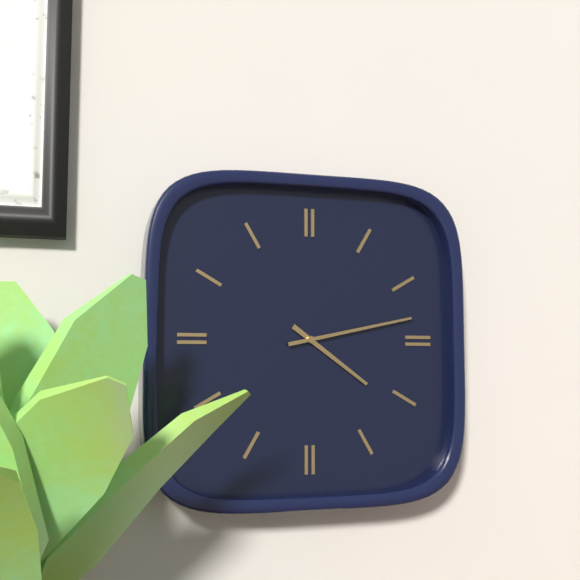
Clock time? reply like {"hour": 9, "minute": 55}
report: {"hour": 4, "minute": 13}
